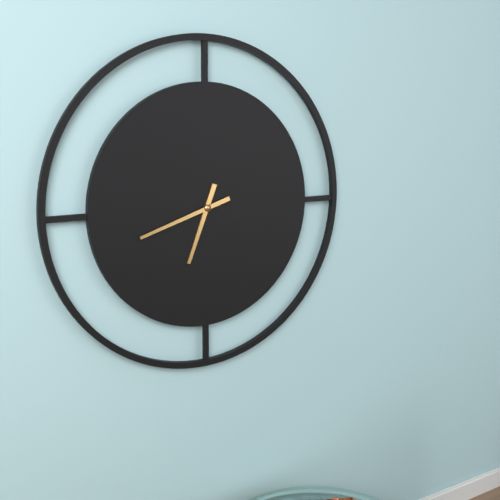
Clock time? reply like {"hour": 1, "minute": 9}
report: {"hour": 6, "minute": 42}
